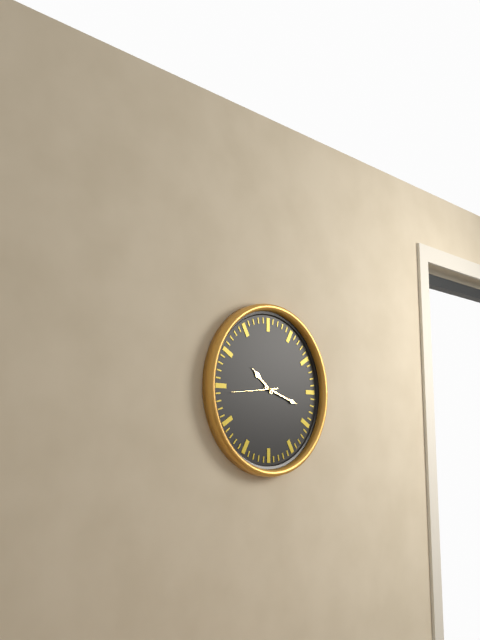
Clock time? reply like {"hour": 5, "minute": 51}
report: {"hour": 10, "minute": 18}
